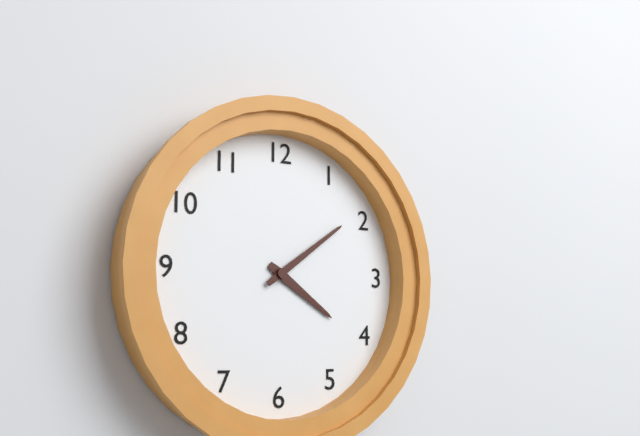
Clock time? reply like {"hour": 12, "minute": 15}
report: {"hour": 4, "minute": 9}
